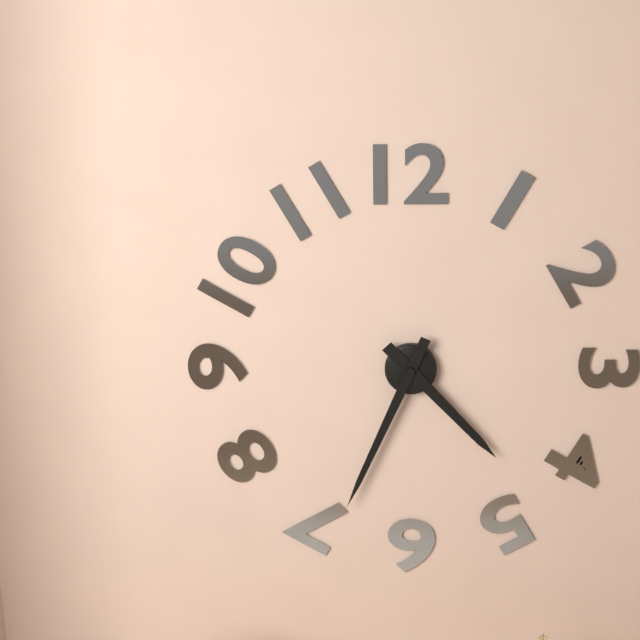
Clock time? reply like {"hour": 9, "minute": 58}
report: {"hour": 4, "minute": 34}
